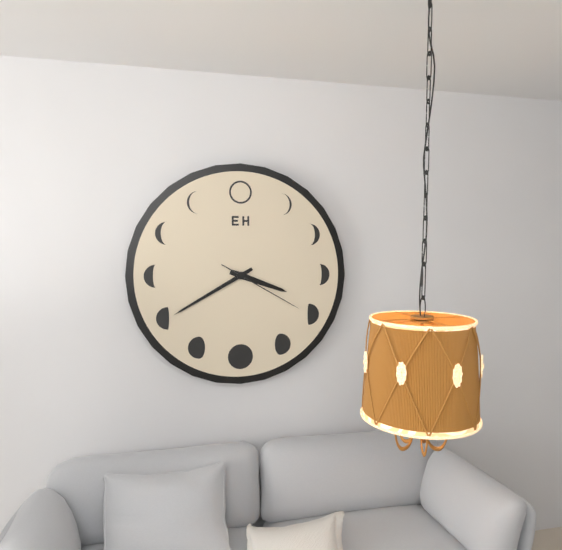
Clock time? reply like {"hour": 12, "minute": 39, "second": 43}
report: {"hour": 3, "minute": 40, "second": 20}
